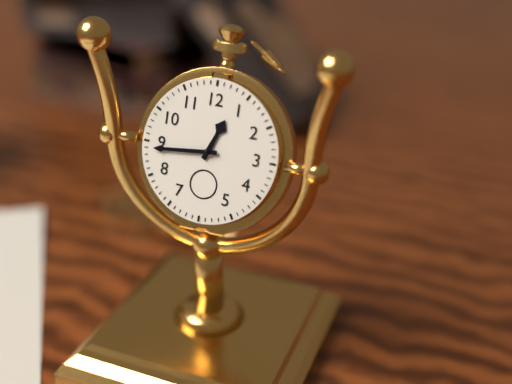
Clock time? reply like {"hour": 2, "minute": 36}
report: {"hour": 12, "minute": 44}
